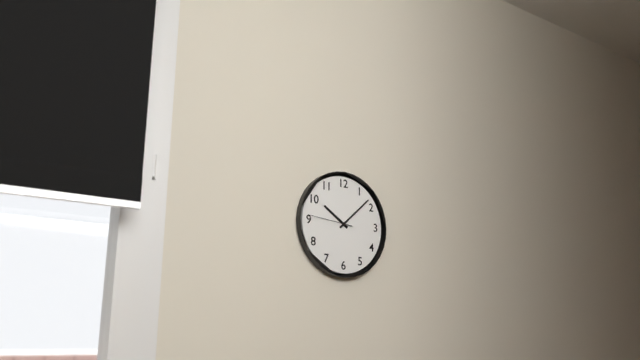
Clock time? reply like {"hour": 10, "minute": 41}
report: {"hour": 10, "minute": 8}
